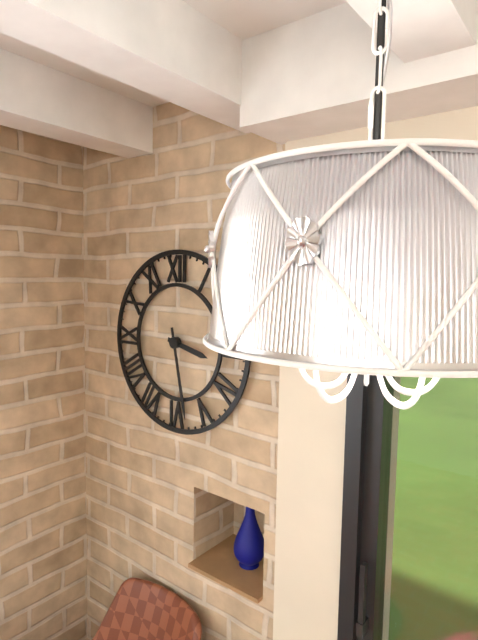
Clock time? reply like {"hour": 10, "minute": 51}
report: {"hour": 3, "minute": 28}
